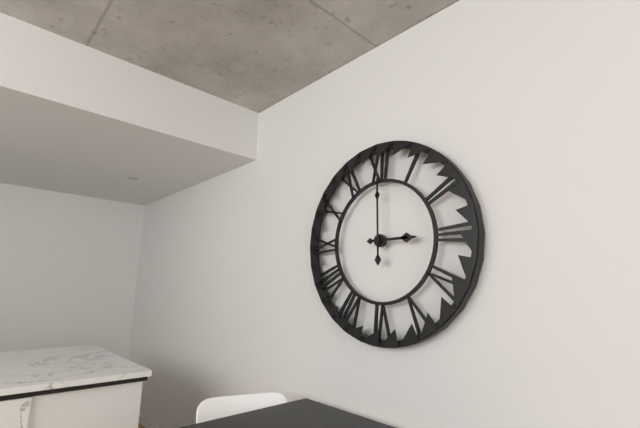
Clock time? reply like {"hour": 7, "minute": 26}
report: {"hour": 3, "minute": 0}
